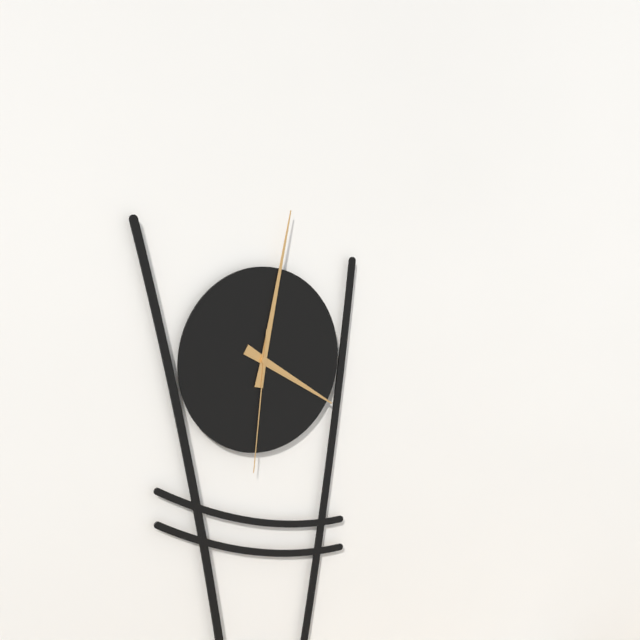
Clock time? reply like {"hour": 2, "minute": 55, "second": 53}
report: {"hour": 4, "minute": 2, "second": 31}
